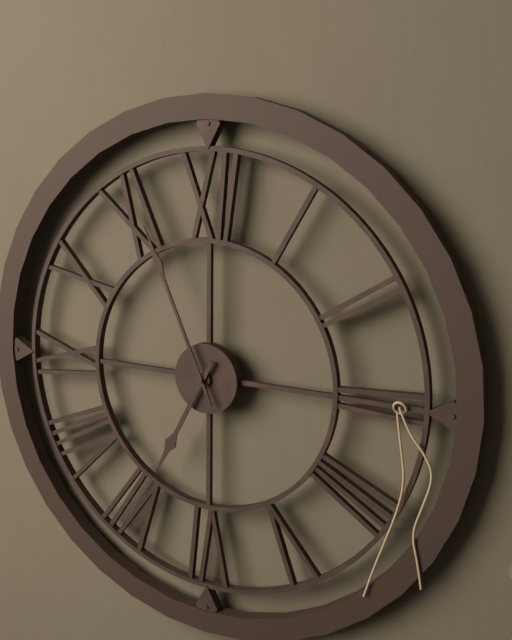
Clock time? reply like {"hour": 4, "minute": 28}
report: {"hour": 6, "minute": 56}
